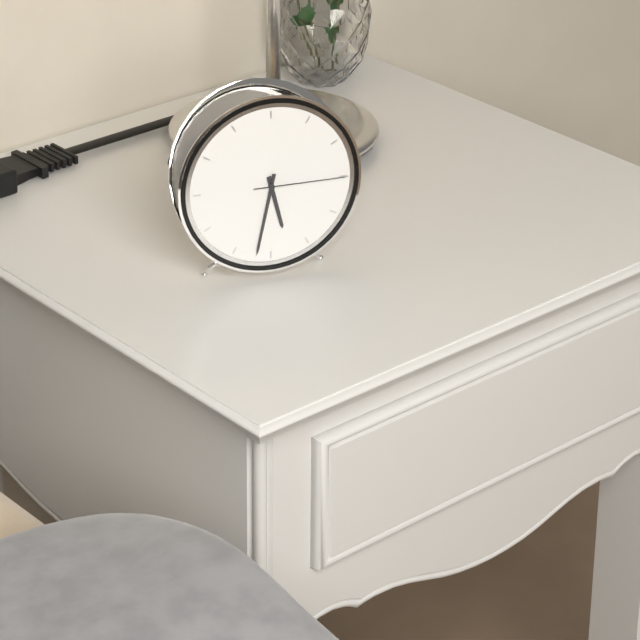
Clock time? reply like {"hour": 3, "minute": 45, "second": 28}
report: {"hour": 5, "minute": 32, "second": 15}
